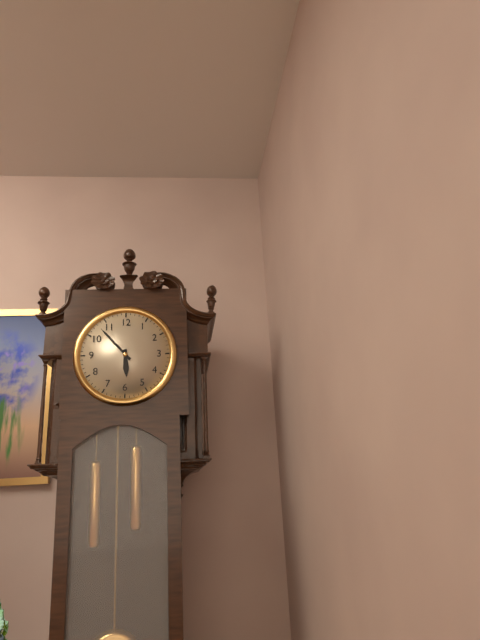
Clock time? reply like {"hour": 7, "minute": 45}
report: {"hour": 5, "minute": 53}
